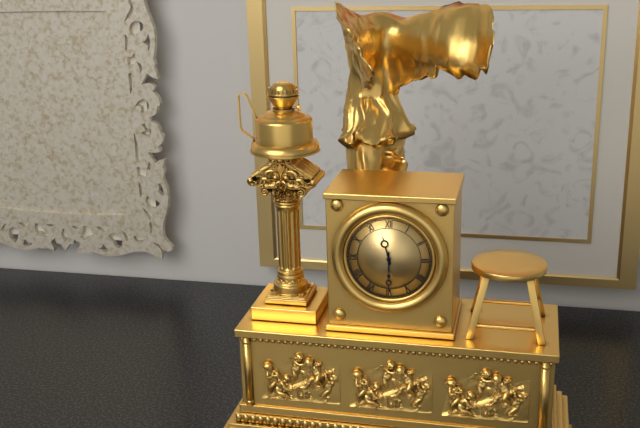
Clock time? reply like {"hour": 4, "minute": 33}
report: {"hour": 11, "minute": 30}
